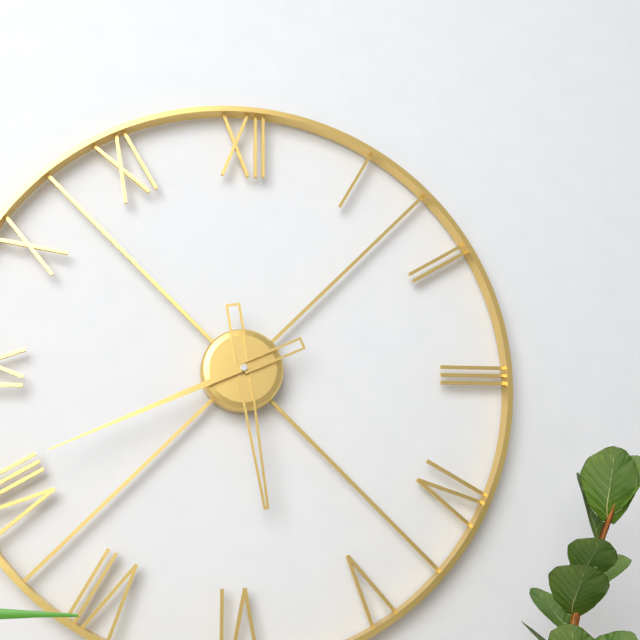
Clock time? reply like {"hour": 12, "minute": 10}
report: {"hour": 5, "minute": 41}
